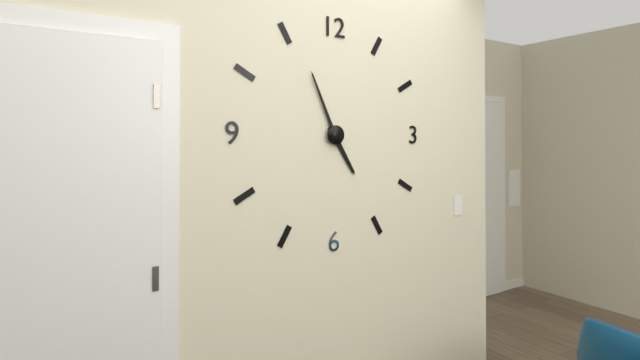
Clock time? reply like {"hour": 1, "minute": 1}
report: {"hour": 4, "minute": 56}
